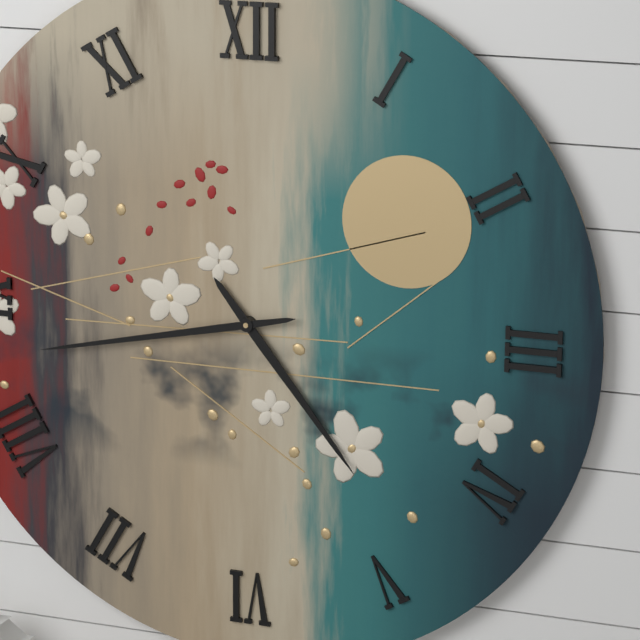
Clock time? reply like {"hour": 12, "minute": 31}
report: {"hour": 4, "minute": 43}
